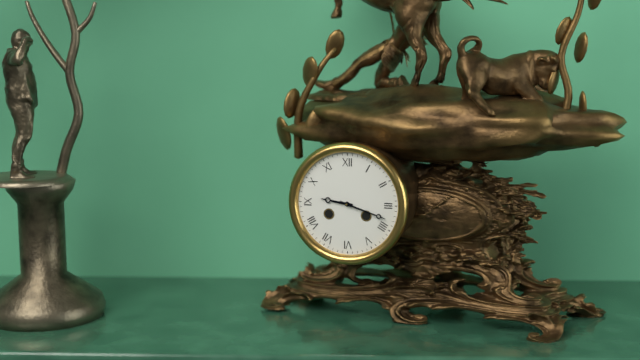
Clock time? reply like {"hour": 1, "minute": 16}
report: {"hour": 9, "minute": 18}
